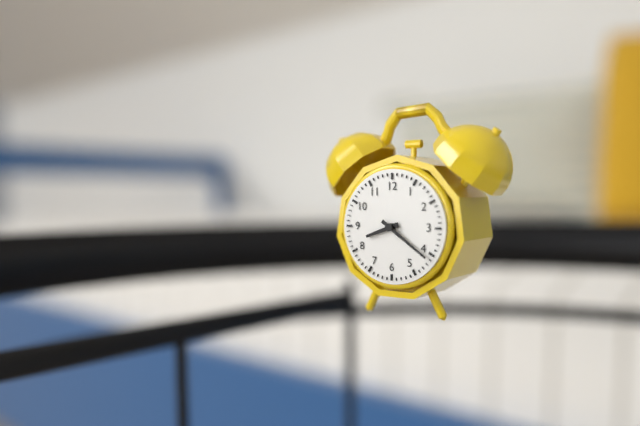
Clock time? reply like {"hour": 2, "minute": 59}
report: {"hour": 8, "minute": 21}
